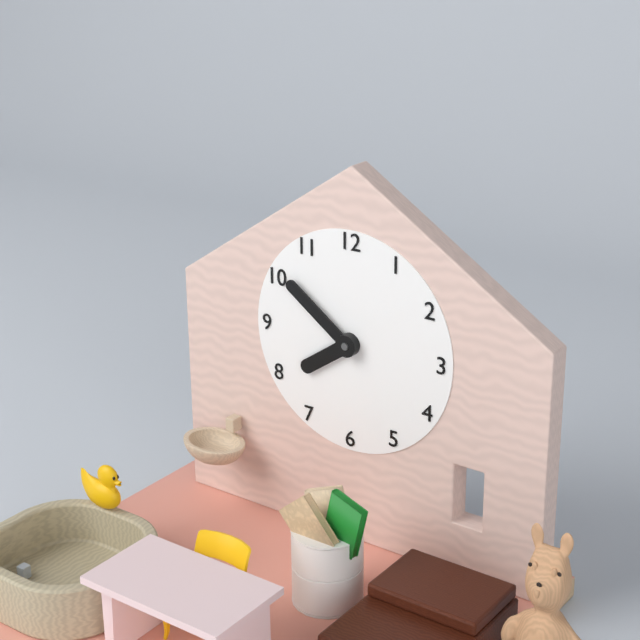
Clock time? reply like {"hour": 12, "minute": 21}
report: {"hour": 7, "minute": 51}
